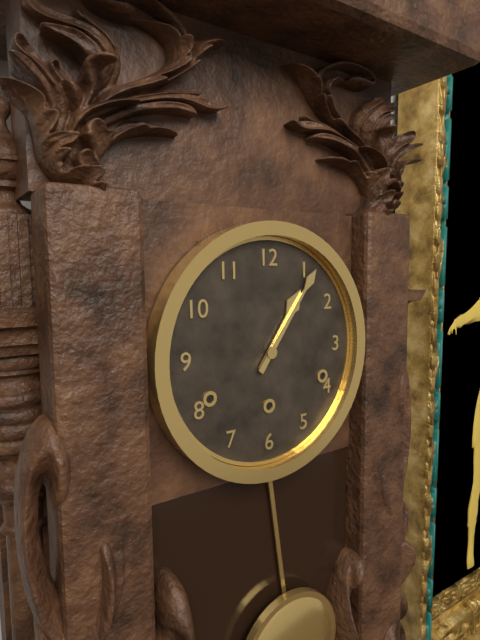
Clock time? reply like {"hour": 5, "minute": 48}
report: {"hour": 1, "minute": 6}
